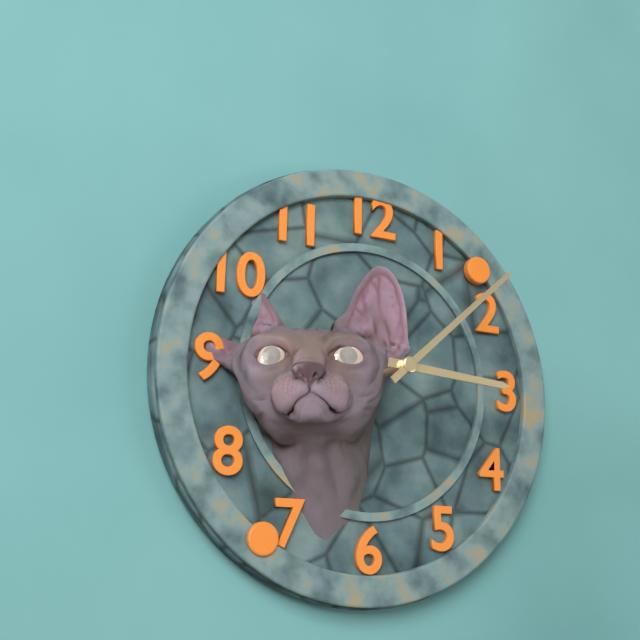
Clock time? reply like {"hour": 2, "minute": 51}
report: {"hour": 3, "minute": 8}
